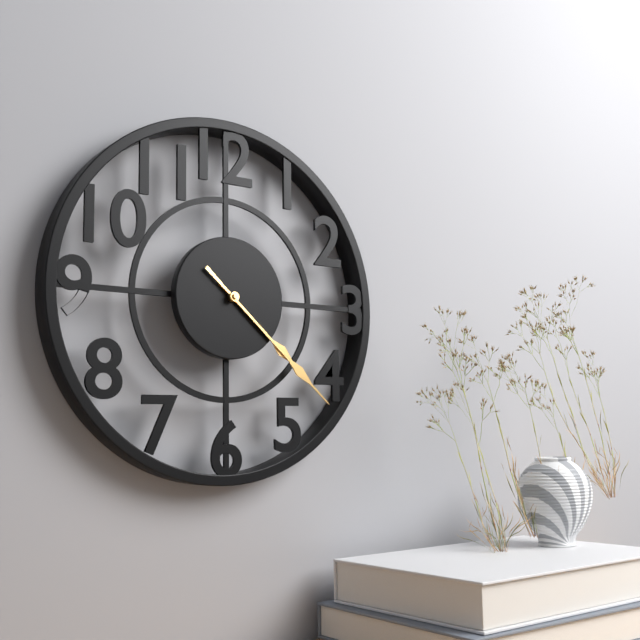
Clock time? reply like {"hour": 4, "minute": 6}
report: {"hour": 4, "minute": 22}
